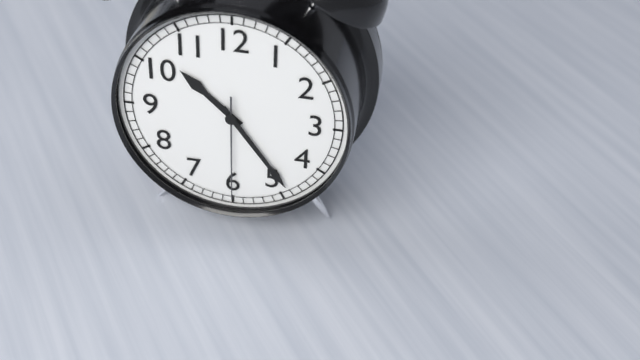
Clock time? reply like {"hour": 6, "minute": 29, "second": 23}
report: {"hour": 10, "minute": 24, "second": 30}
